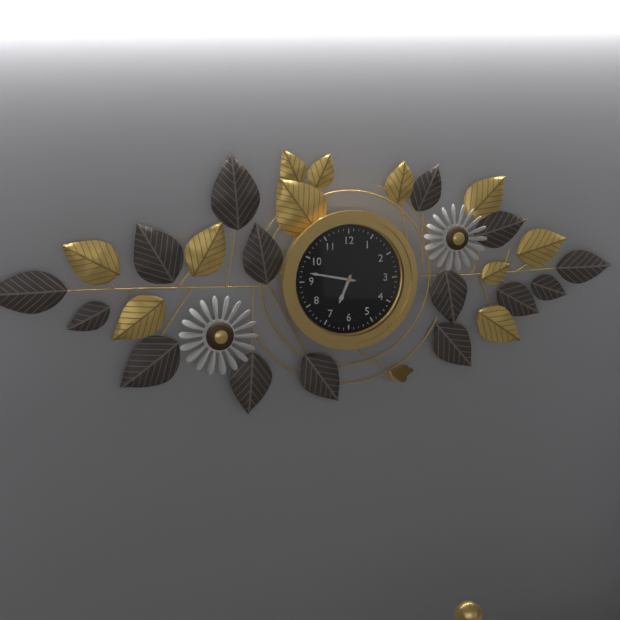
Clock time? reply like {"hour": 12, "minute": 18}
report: {"hour": 6, "minute": 47}
